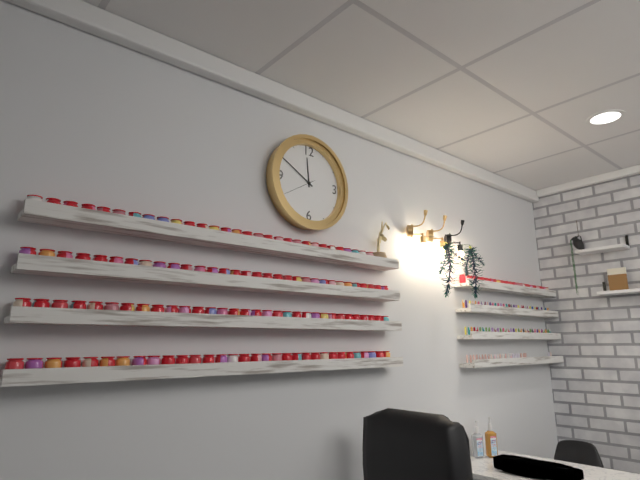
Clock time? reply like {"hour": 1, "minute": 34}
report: {"hour": 11, "minute": 50}
